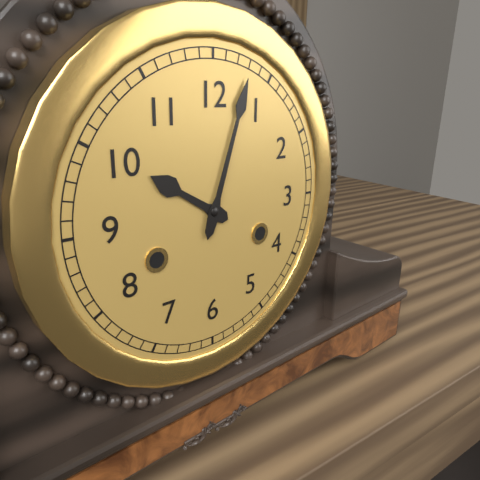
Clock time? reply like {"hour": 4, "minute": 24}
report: {"hour": 10, "minute": 3}
